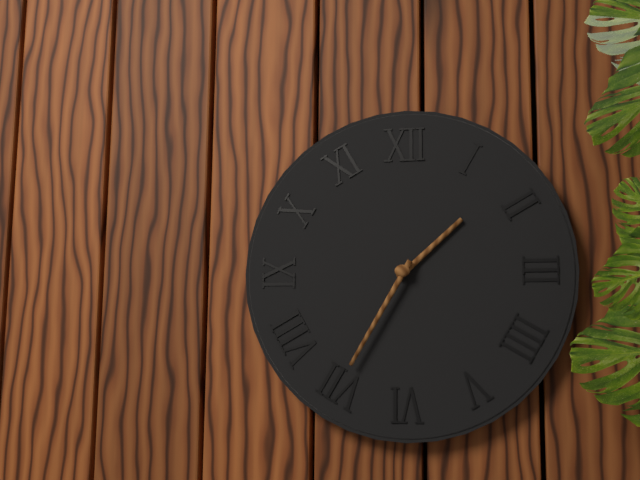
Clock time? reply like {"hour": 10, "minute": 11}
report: {"hour": 1, "minute": 35}
